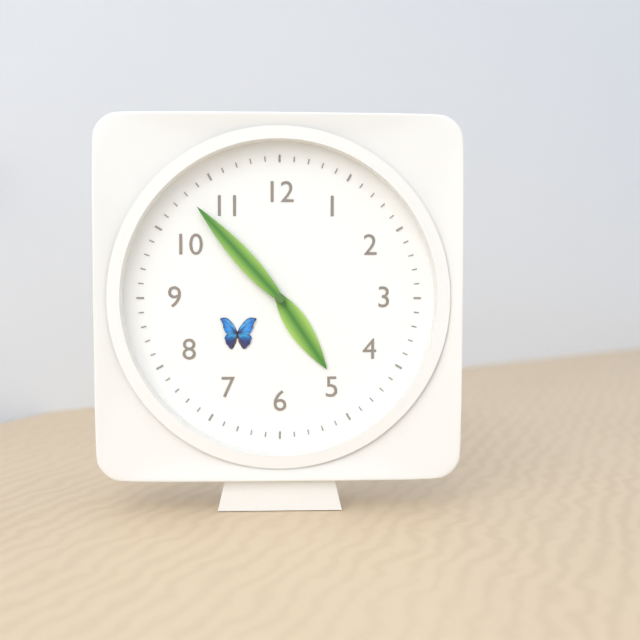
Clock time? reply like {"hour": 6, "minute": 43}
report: {"hour": 4, "minute": 53}
